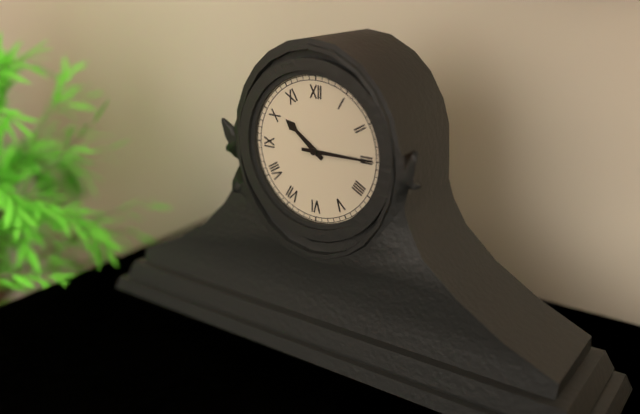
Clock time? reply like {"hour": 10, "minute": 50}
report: {"hour": 10, "minute": 15}
